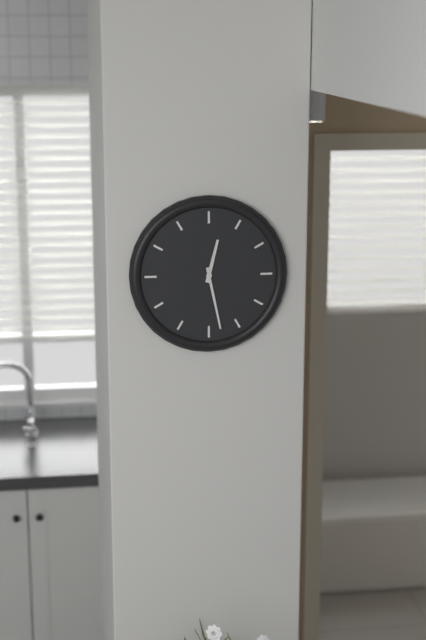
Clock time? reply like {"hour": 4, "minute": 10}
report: {"hour": 12, "minute": 28}
